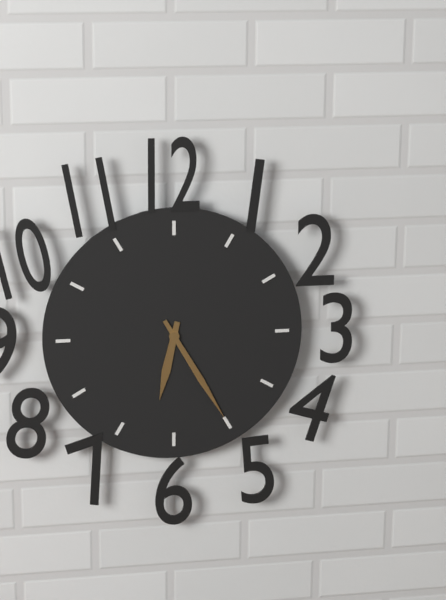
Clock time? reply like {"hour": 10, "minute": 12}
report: {"hour": 6, "minute": 25}
